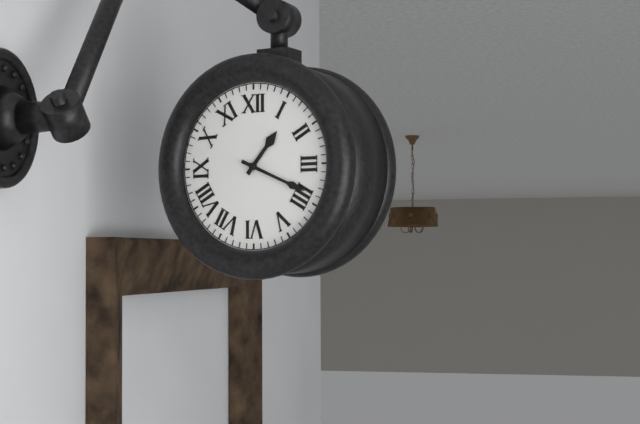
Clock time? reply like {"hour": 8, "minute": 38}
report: {"hour": 1, "minute": 19}
